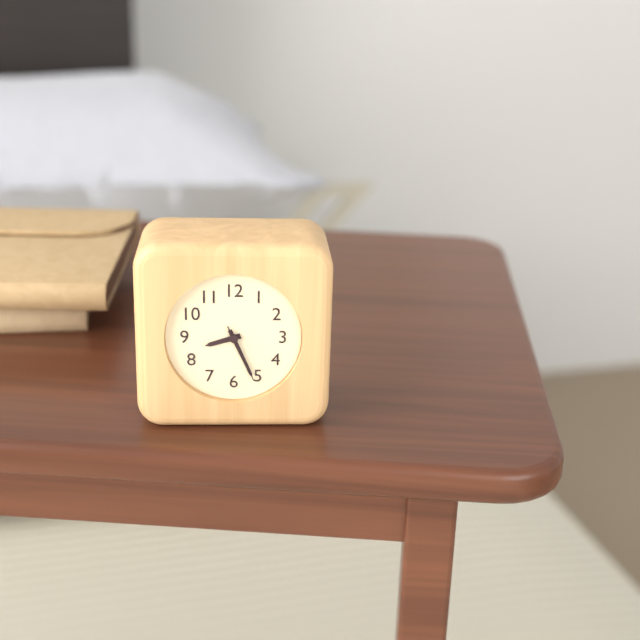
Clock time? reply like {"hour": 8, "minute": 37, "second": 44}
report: {"hour": 8, "minute": 26, "second": 26}
